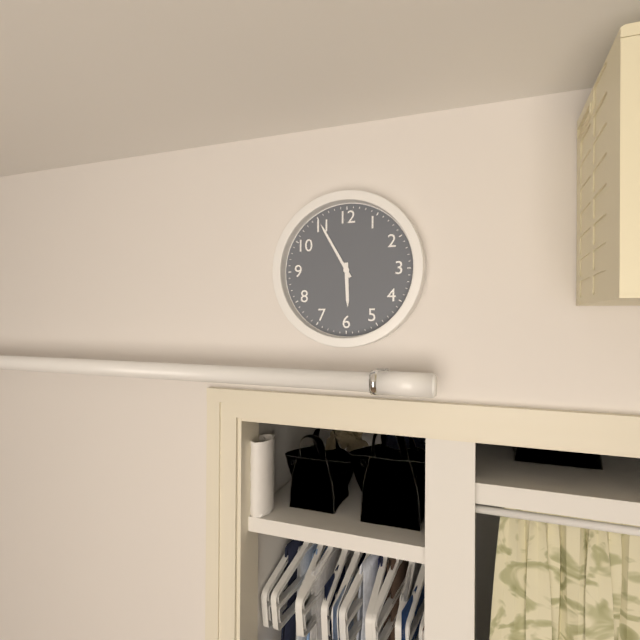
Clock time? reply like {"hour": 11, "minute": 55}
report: {"hour": 5, "minute": 55}
